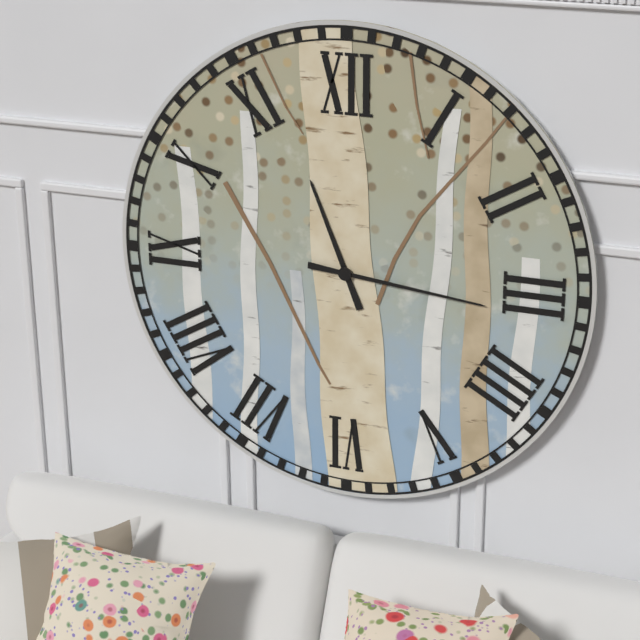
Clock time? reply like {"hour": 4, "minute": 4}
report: {"hour": 11, "minute": 16}
